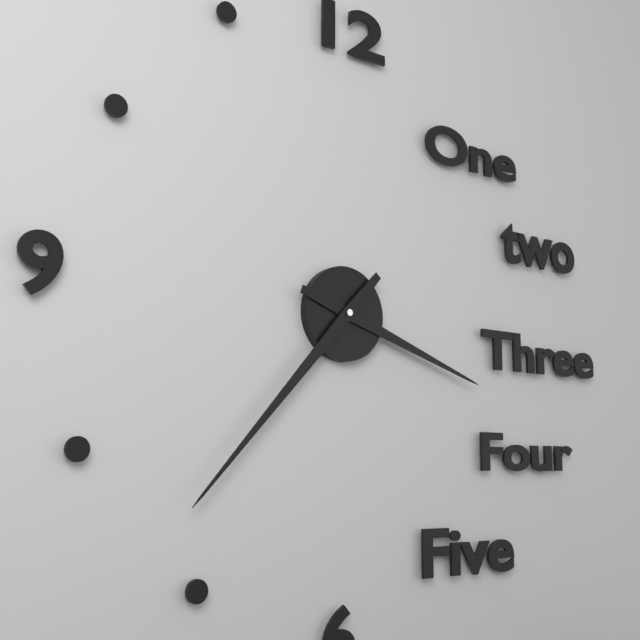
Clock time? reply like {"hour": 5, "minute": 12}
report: {"hour": 3, "minute": 37}
